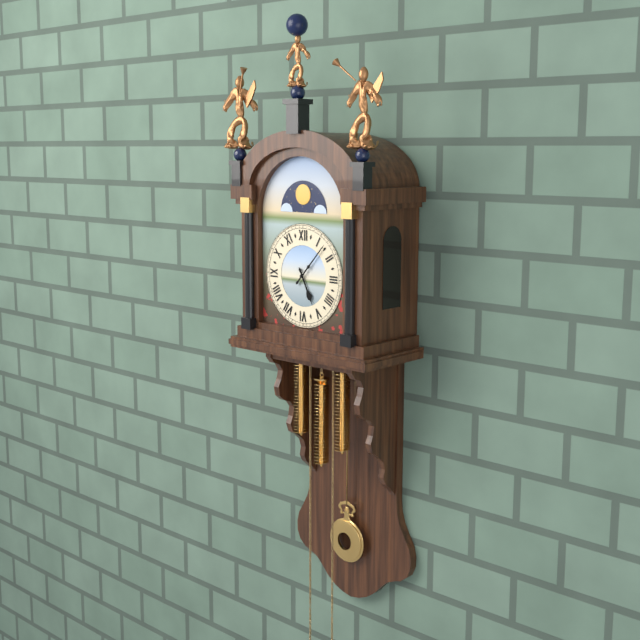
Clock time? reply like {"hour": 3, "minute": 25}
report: {"hour": 5, "minute": 7}
